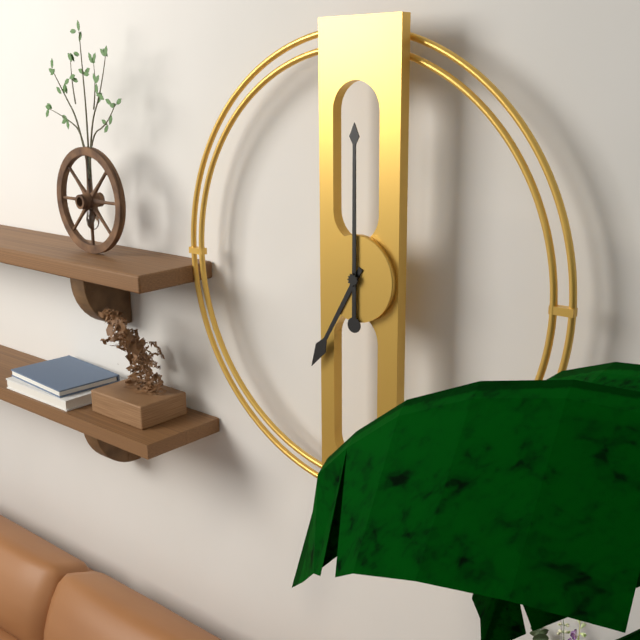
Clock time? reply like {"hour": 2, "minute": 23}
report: {"hour": 7, "minute": 0}
